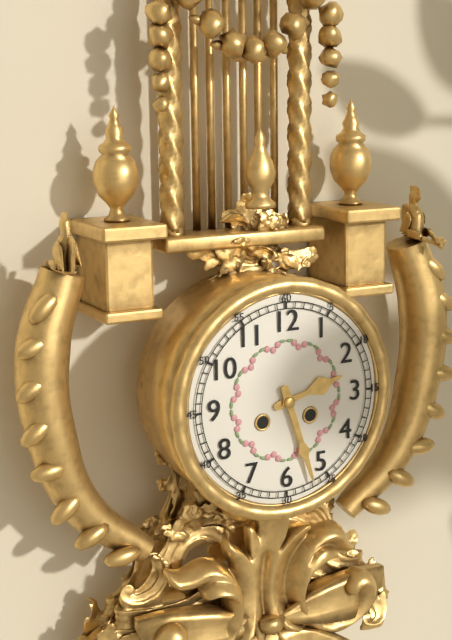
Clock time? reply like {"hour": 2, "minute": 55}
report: {"hour": 2, "minute": 27}
